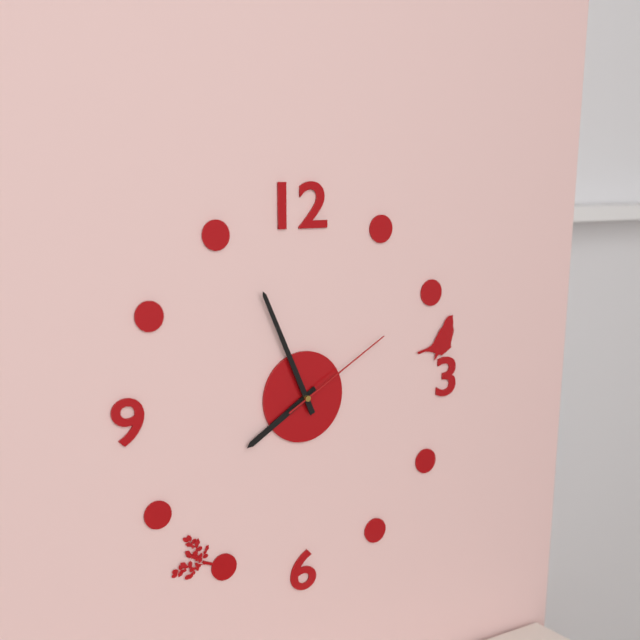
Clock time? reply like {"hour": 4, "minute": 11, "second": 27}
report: {"hour": 7, "minute": 56, "second": 10}
